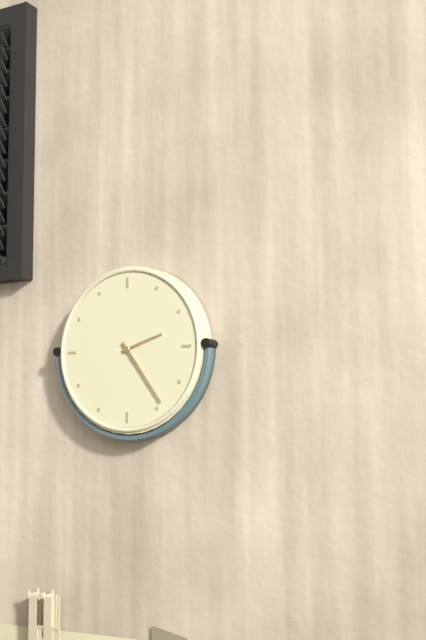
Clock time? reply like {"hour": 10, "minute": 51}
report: {"hour": 2, "minute": 24}
